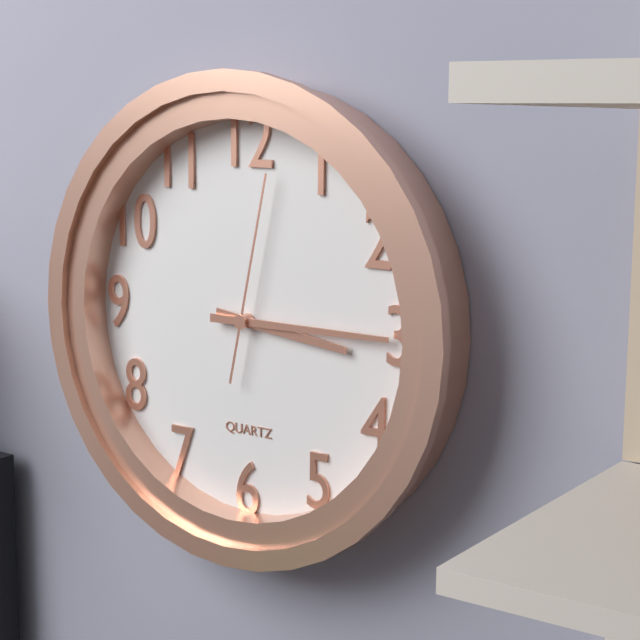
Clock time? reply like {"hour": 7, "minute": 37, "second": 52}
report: {"hour": 3, "minute": 15, "second": 2}
